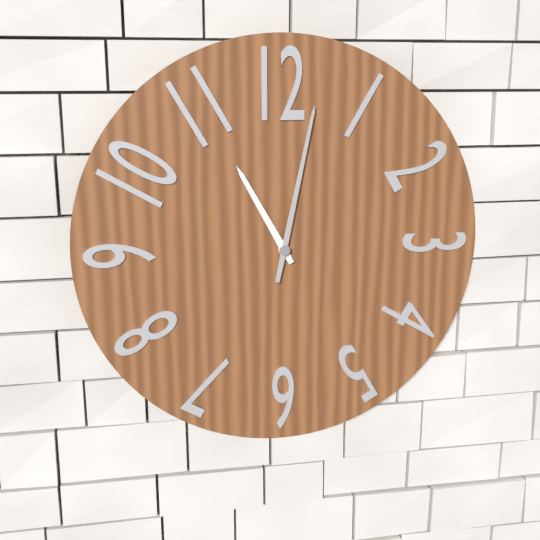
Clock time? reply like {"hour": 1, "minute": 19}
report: {"hour": 11, "minute": 2}
